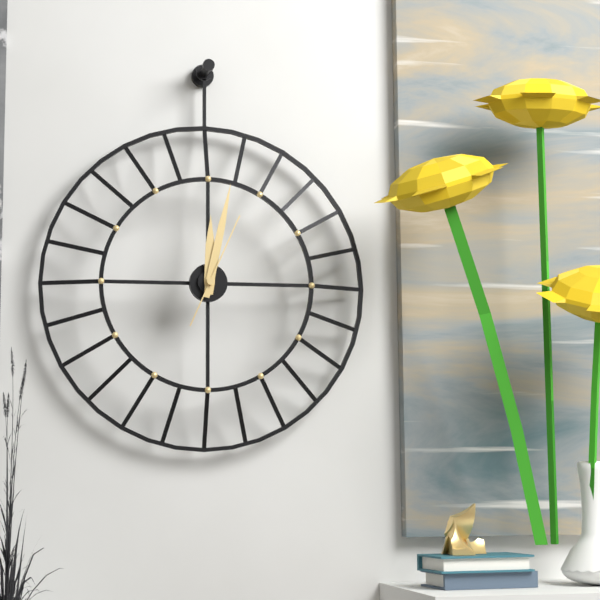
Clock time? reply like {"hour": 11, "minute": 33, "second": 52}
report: {"hour": 12, "minute": 2, "second": 4}
